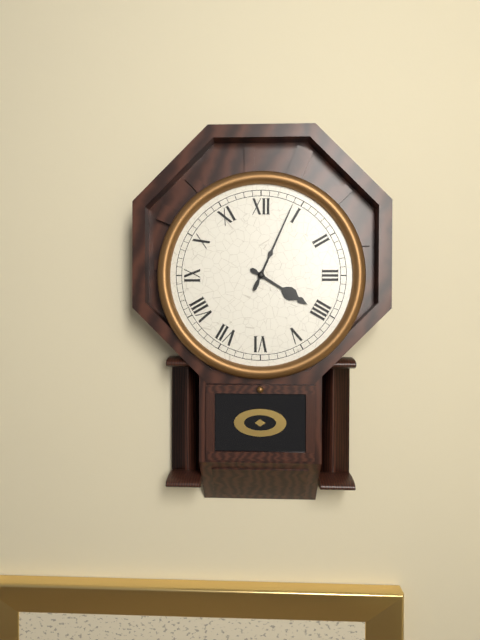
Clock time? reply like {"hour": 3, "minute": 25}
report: {"hour": 4, "minute": 4}
